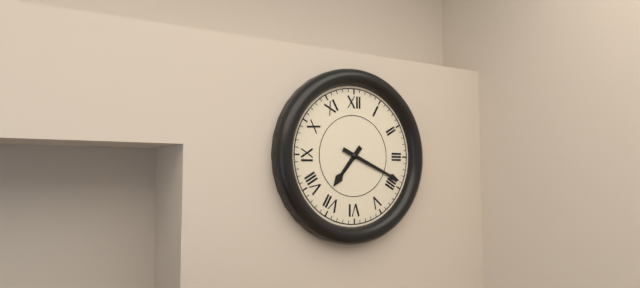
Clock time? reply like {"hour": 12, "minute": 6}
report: {"hour": 7, "minute": 19}
